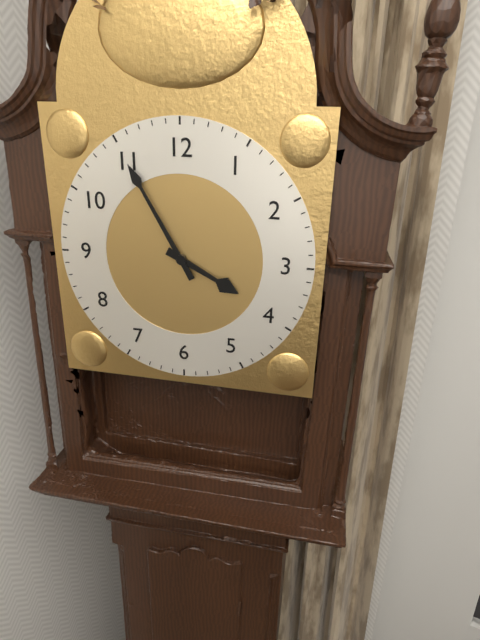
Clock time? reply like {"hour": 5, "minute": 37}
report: {"hour": 3, "minute": 55}
